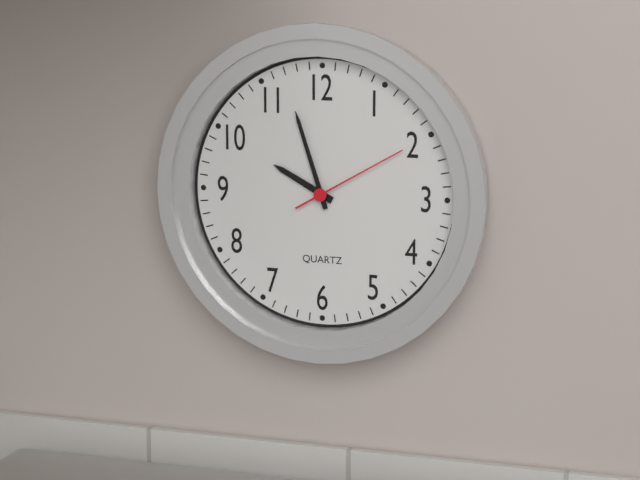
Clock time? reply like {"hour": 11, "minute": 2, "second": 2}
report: {"hour": 9, "minute": 57, "second": 10}
